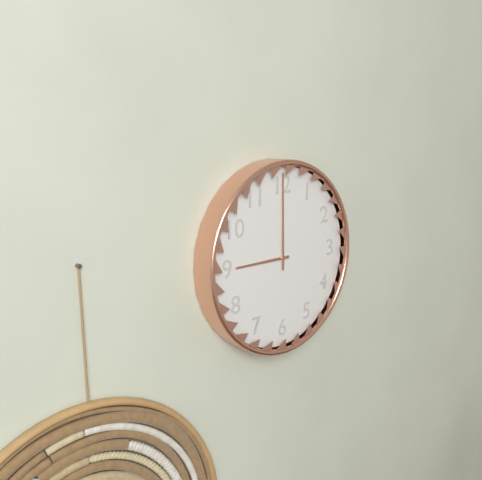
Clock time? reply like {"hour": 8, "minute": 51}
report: {"hour": 9, "minute": 0}
